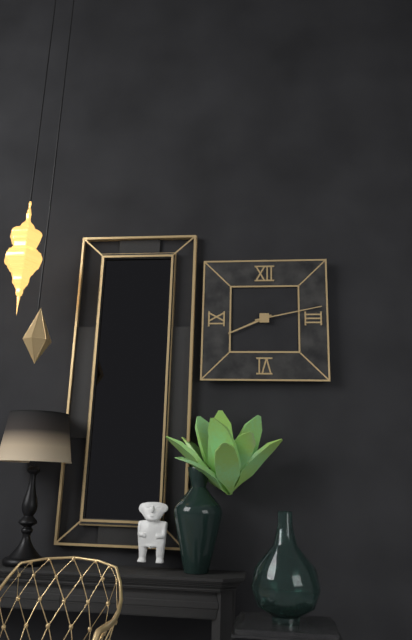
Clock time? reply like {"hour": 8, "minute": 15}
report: {"hour": 8, "minute": 13}
